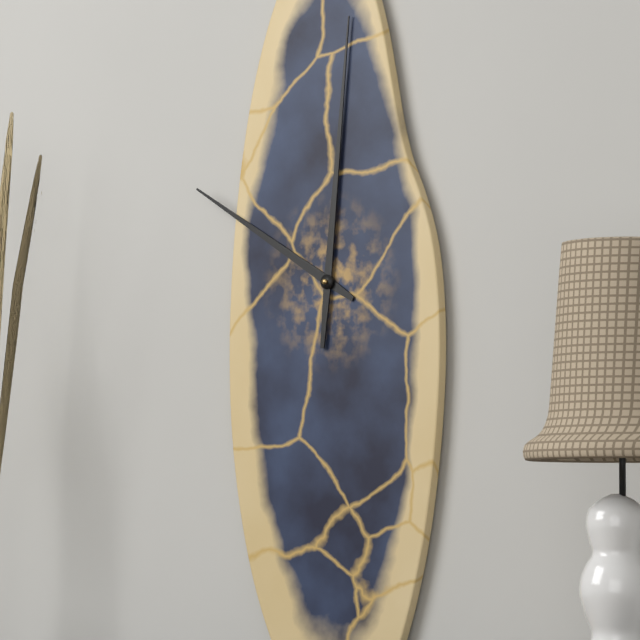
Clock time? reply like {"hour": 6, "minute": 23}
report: {"hour": 10, "minute": 1}
